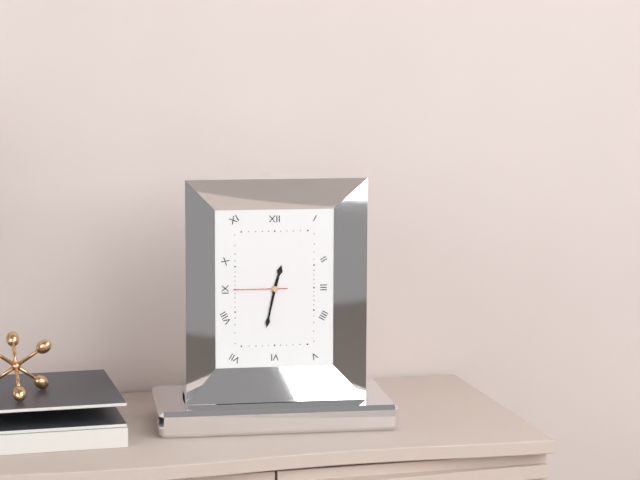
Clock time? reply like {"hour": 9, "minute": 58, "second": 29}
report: {"hour": 12, "minute": 32, "second": 45}
